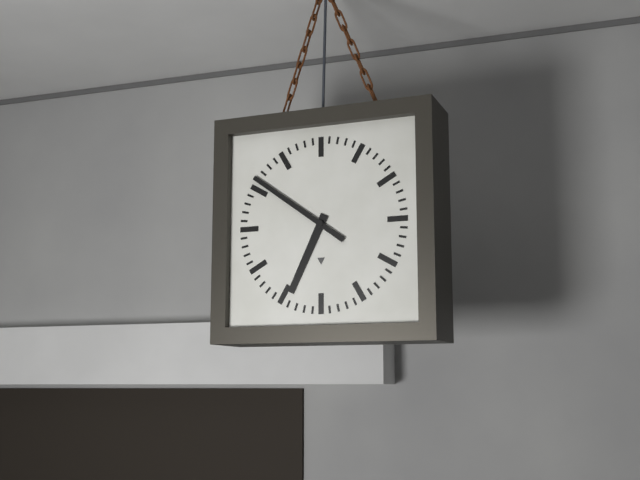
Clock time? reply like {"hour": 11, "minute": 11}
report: {"hour": 6, "minute": 51}
